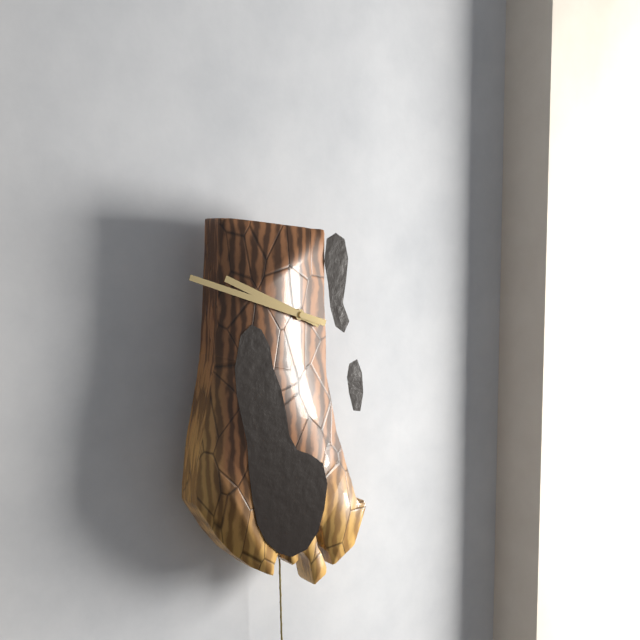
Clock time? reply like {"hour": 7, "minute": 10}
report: {"hour": 9, "minute": 48}
